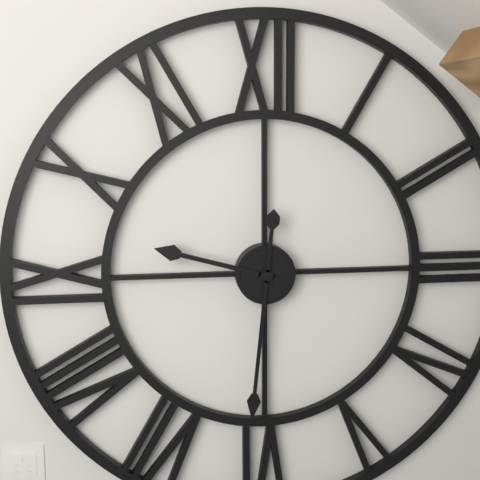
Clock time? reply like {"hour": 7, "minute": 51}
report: {"hour": 9, "minute": 31}
